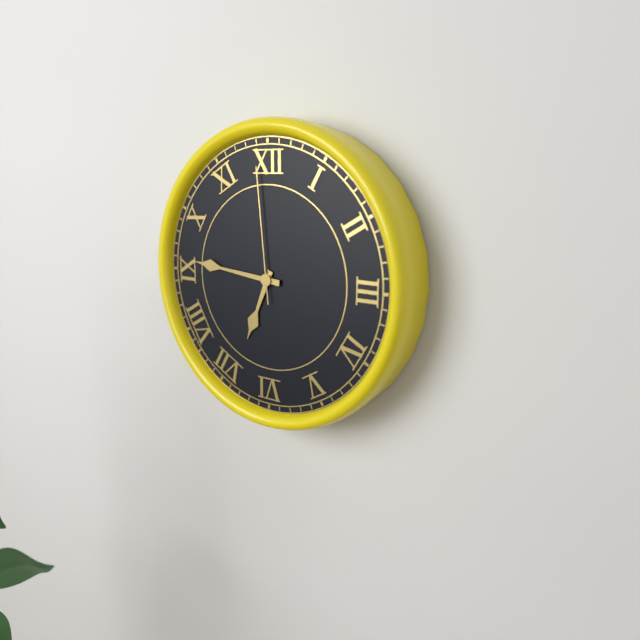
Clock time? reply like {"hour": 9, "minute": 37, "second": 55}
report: {"hour": 6, "minute": 46, "second": 59}
